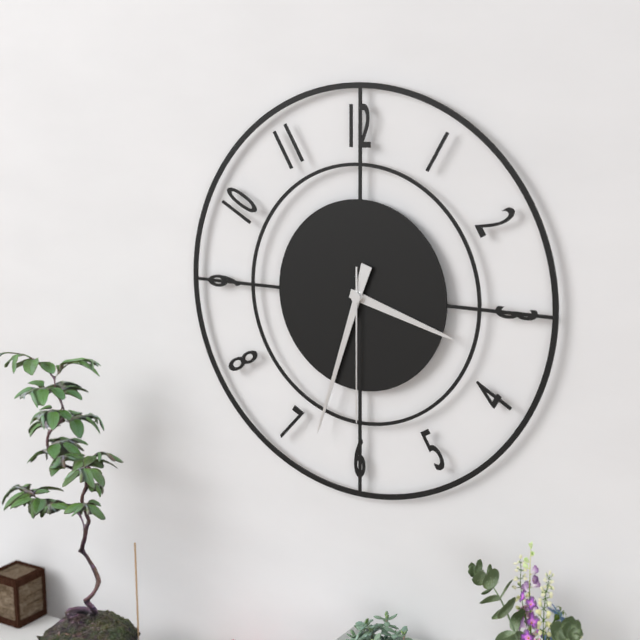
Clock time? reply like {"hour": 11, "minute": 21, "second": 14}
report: {"hour": 3, "minute": 33, "second": 30}
